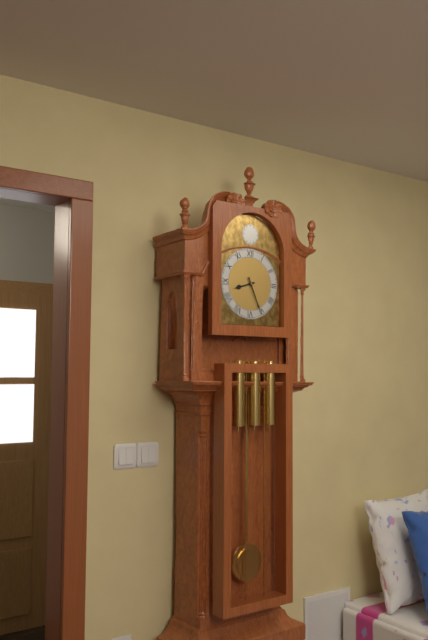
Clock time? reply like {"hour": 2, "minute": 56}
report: {"hour": 8, "minute": 26}
